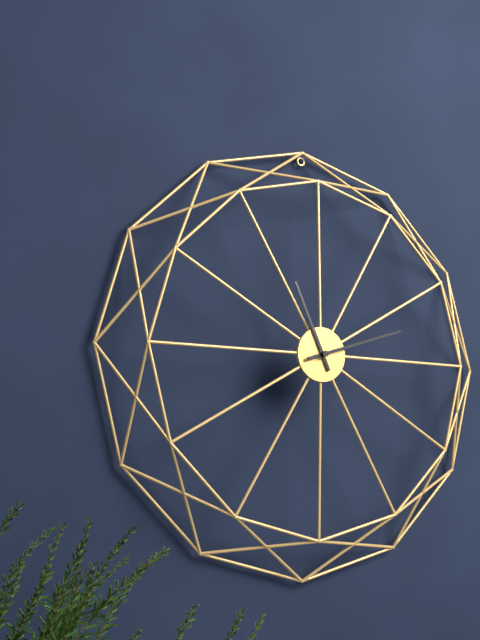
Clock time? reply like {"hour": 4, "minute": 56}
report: {"hour": 11, "minute": 12}
